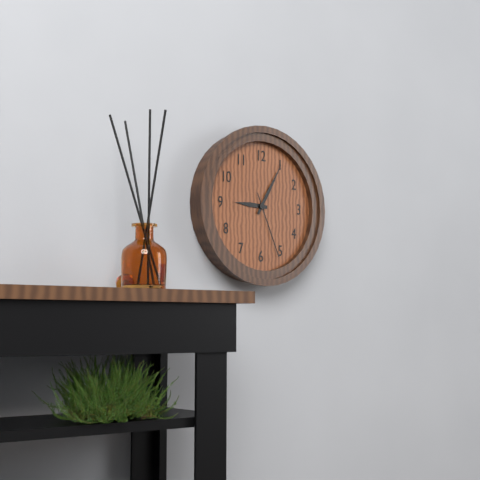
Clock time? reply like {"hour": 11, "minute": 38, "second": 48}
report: {"hour": 9, "minute": 5, "second": 26}
